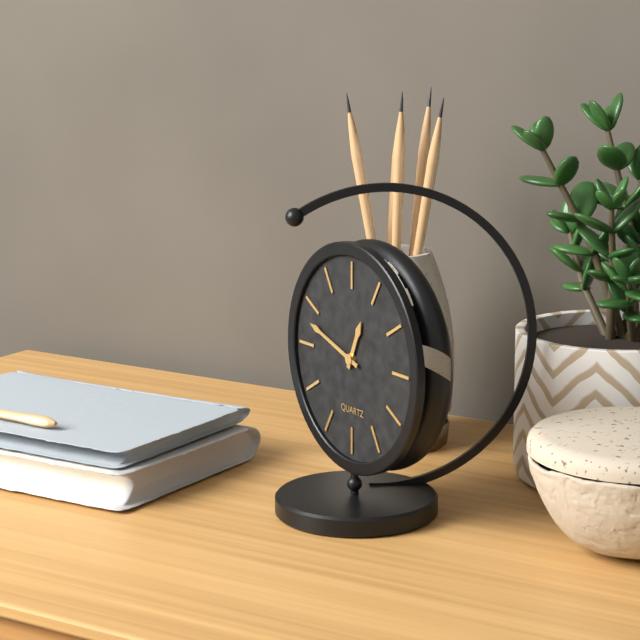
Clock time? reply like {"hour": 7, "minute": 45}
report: {"hour": 12, "minute": 48}
